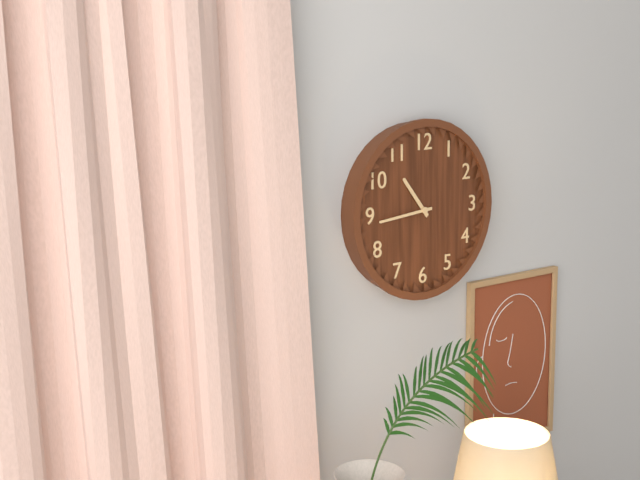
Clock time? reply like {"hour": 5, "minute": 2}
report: {"hour": 10, "minute": 44}
